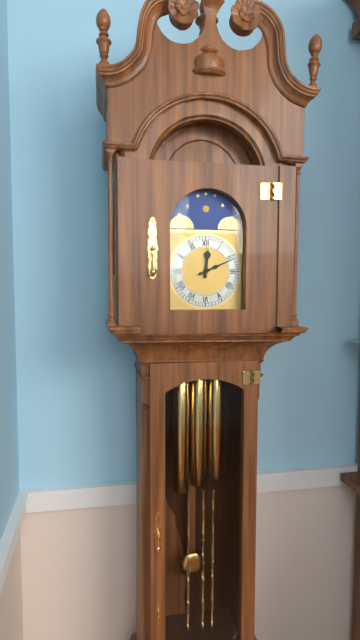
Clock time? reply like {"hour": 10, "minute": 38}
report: {"hour": 12, "minute": 11}
